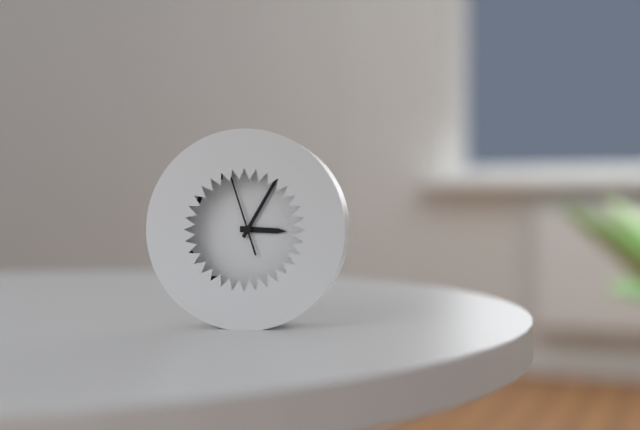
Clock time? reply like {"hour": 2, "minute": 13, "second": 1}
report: {"hour": 3, "minute": 5, "second": 57}
